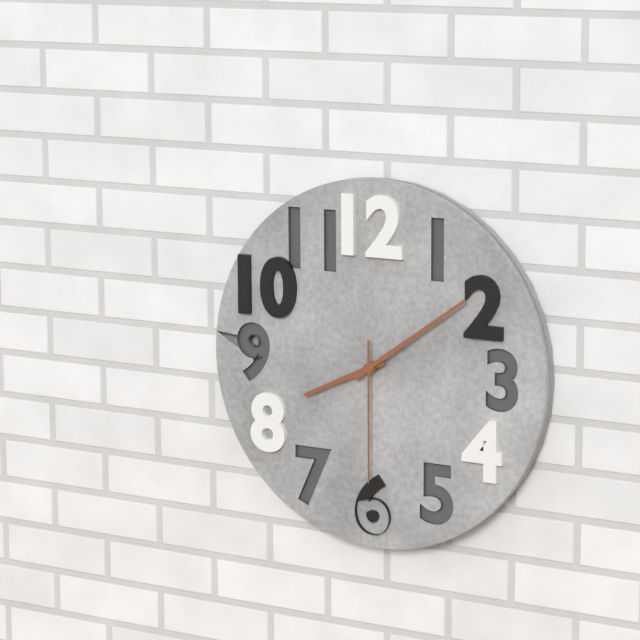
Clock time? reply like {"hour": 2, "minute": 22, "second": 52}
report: {"hour": 8, "minute": 9, "second": 30}
